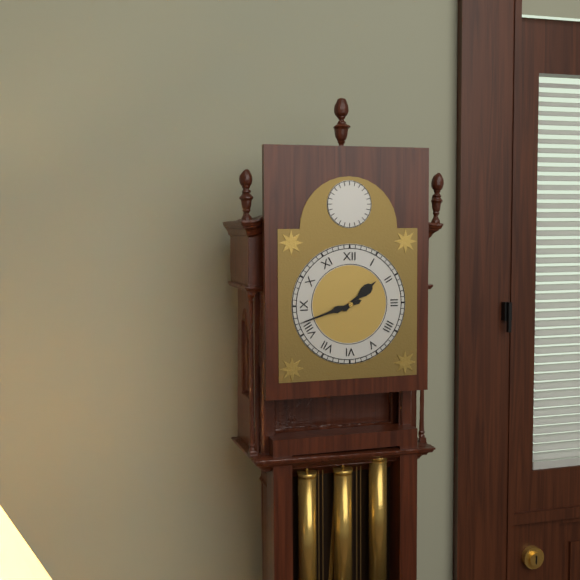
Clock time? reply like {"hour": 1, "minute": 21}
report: {"hour": 1, "minute": 42}
